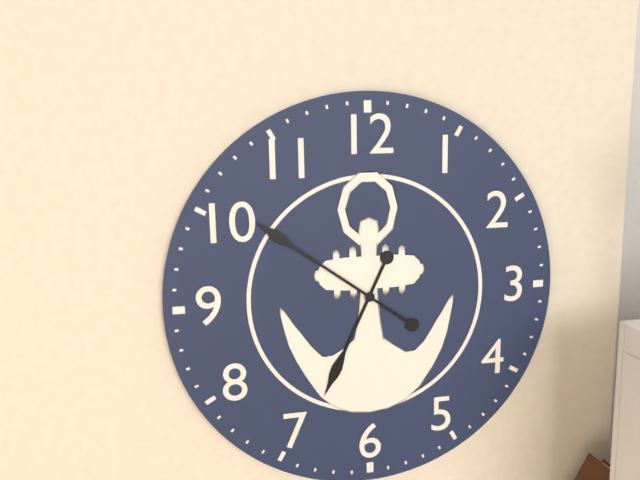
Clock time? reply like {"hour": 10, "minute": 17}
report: {"hour": 6, "minute": 51}
